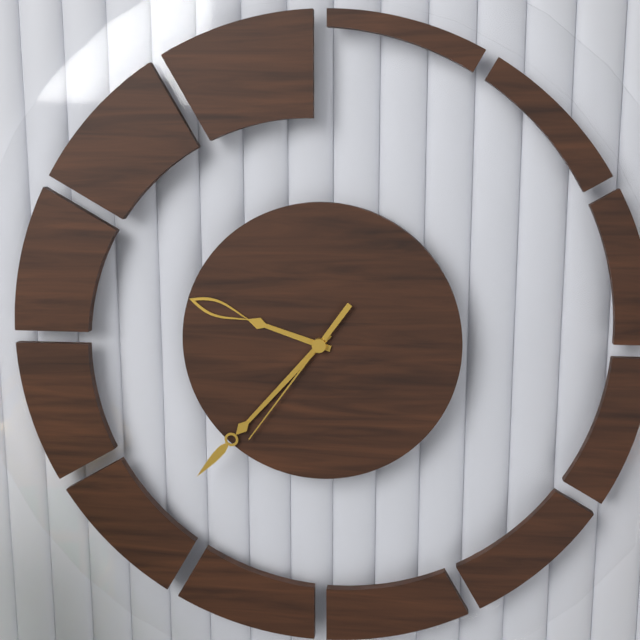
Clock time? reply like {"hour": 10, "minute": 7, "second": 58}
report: {"hour": 9, "minute": 37, "second": 36}
